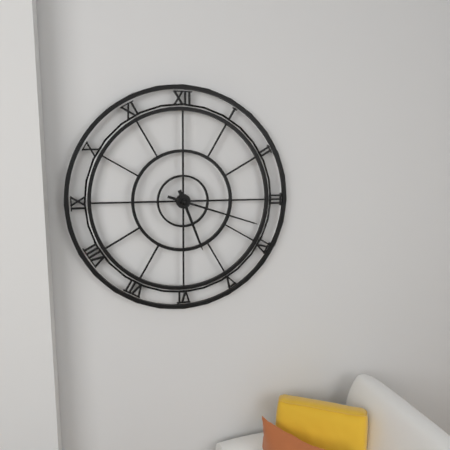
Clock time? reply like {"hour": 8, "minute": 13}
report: {"hour": 5, "minute": 18}
